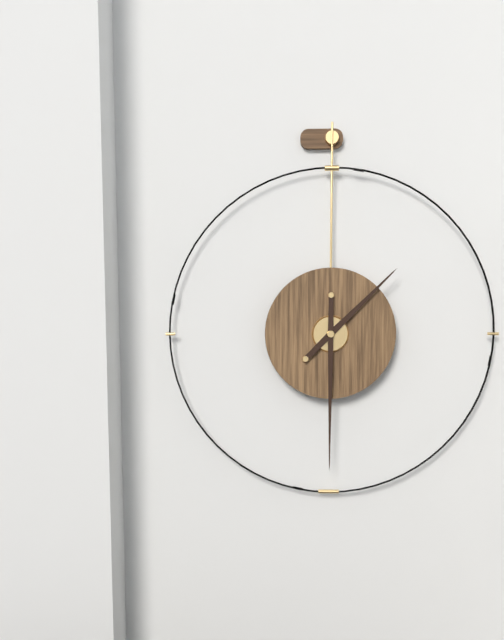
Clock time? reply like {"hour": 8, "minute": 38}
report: {"hour": 1, "minute": 30}
